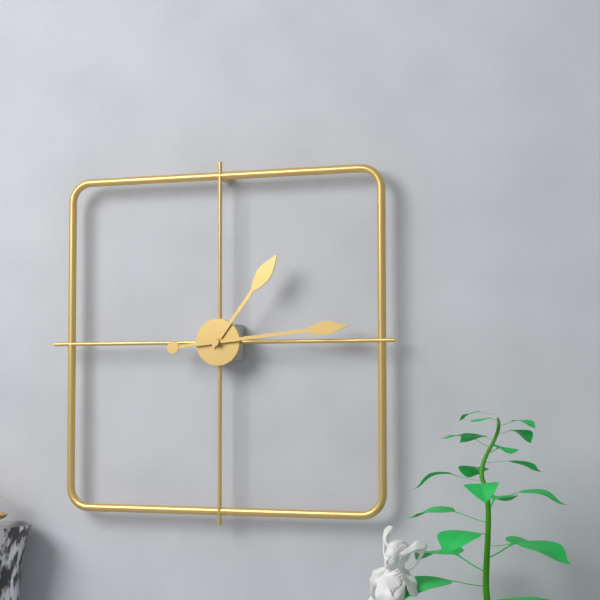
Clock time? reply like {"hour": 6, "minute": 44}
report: {"hour": 1, "minute": 14}
